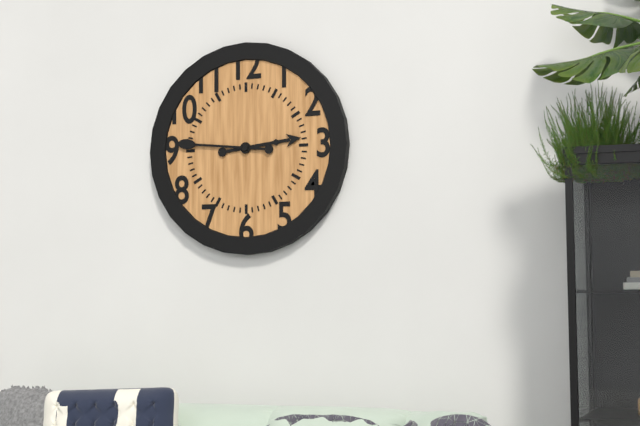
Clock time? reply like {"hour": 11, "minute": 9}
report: {"hour": 2, "minute": 46}
